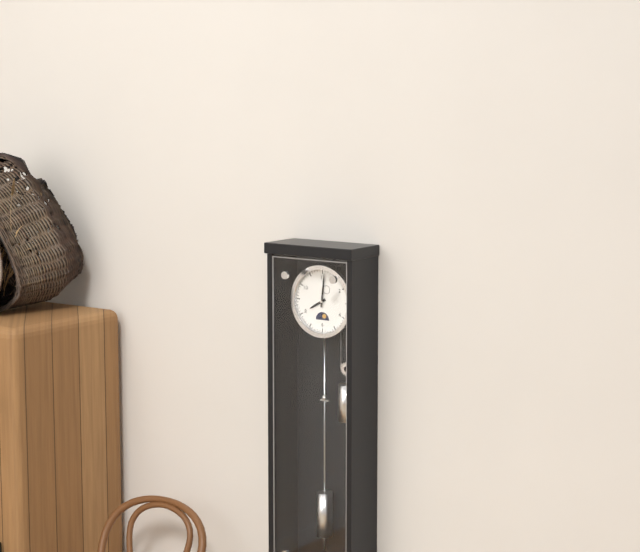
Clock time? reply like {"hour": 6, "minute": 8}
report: {"hour": 8, "minute": 1}
